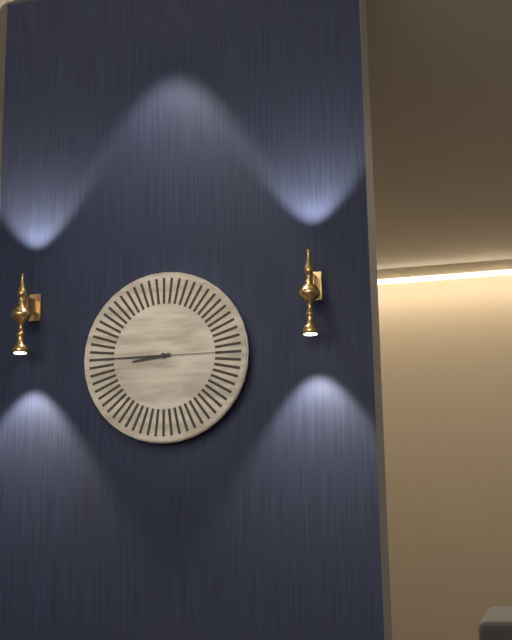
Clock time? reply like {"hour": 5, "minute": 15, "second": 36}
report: {"hour": 8, "minute": 45, "second": 15}
